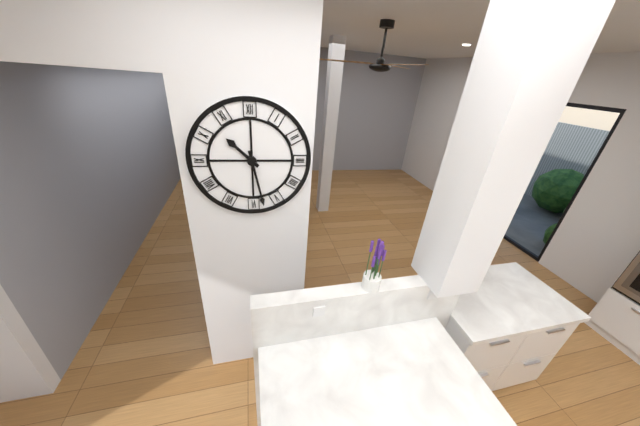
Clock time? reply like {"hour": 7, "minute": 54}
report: {"hour": 10, "minute": 28}
